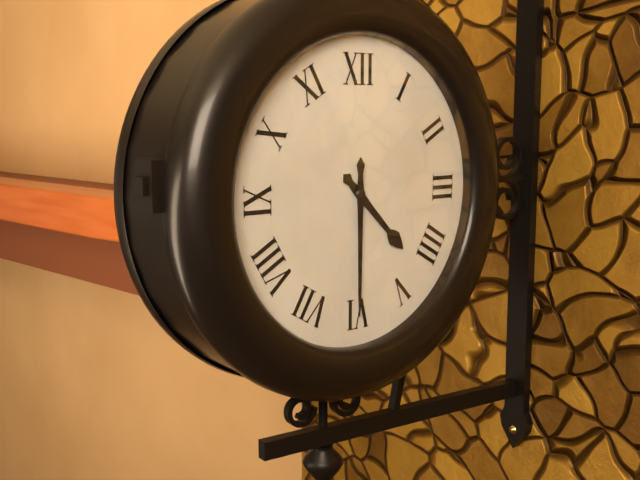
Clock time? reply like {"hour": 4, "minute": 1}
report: {"hour": 4, "minute": 30}
